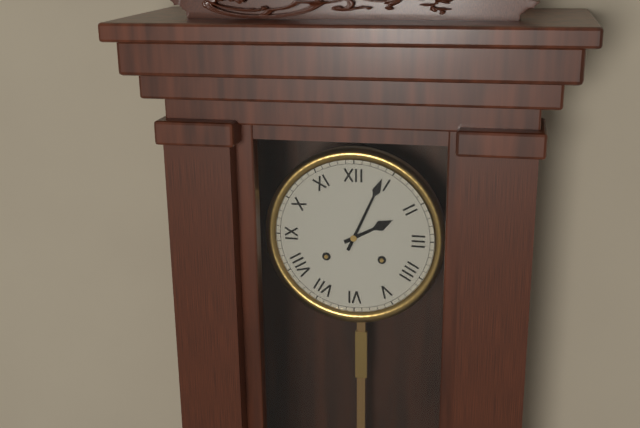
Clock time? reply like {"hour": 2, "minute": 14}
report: {"hour": 2, "minute": 4}
